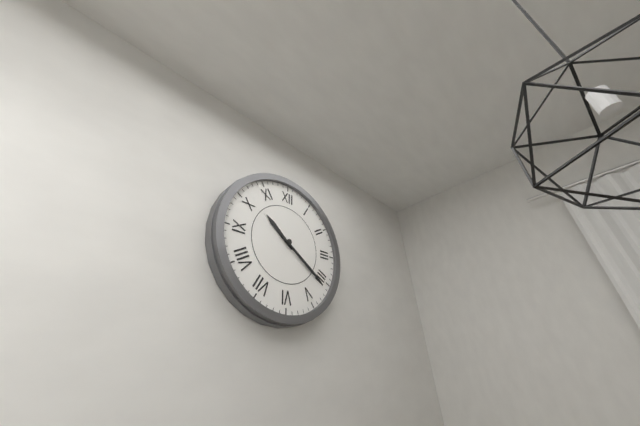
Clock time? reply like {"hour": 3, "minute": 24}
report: {"hour": 10, "minute": 21}
